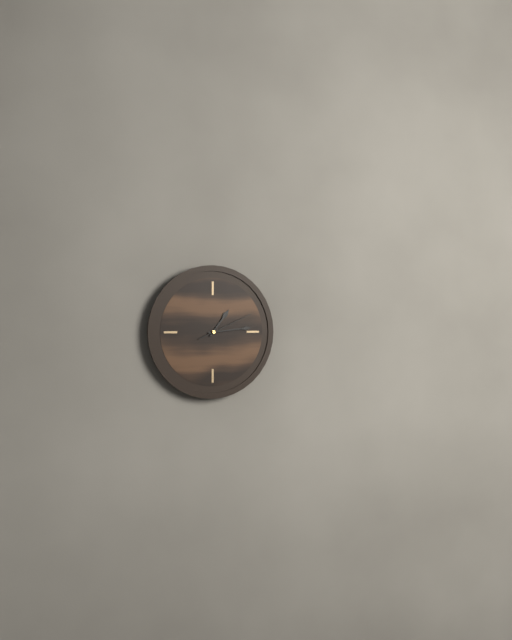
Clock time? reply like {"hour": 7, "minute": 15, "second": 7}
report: {"hour": 1, "minute": 14, "second": 11}
